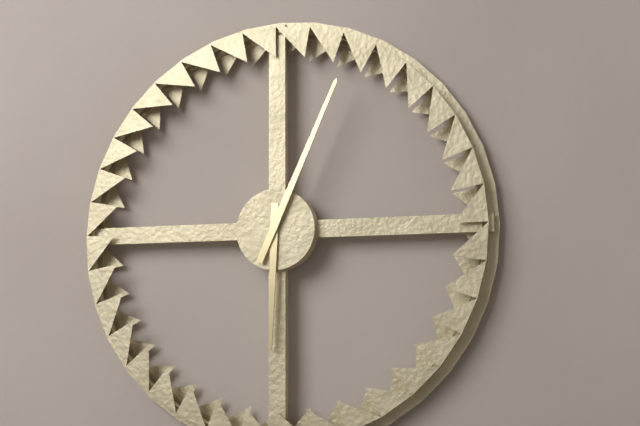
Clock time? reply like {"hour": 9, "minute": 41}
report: {"hour": 6, "minute": 4}
